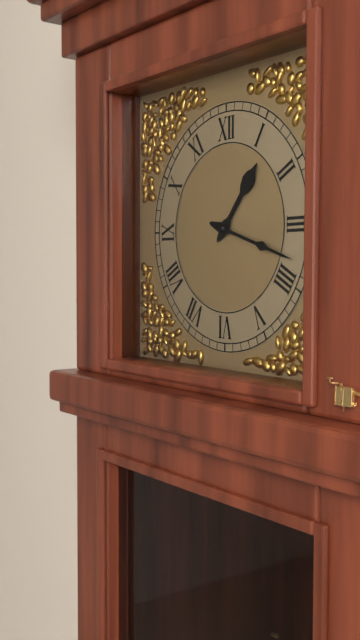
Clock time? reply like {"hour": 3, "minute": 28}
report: {"hour": 1, "minute": 18}
